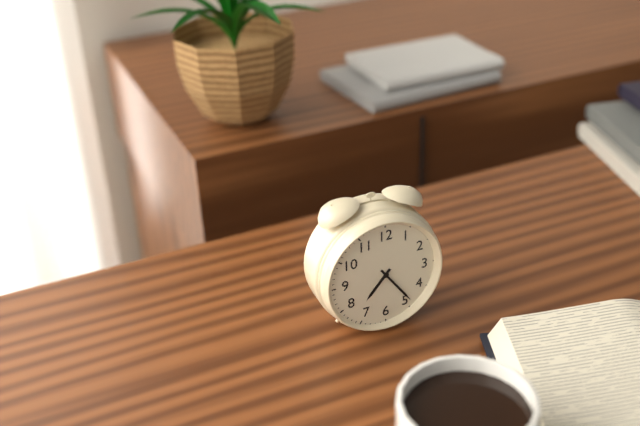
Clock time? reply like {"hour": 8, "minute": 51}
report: {"hour": 7, "minute": 24}
